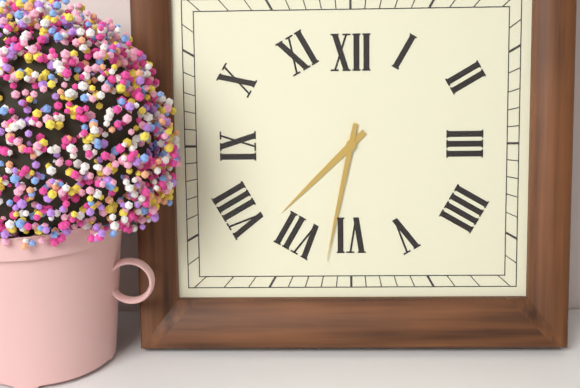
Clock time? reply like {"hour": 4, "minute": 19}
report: {"hour": 7, "minute": 32}
